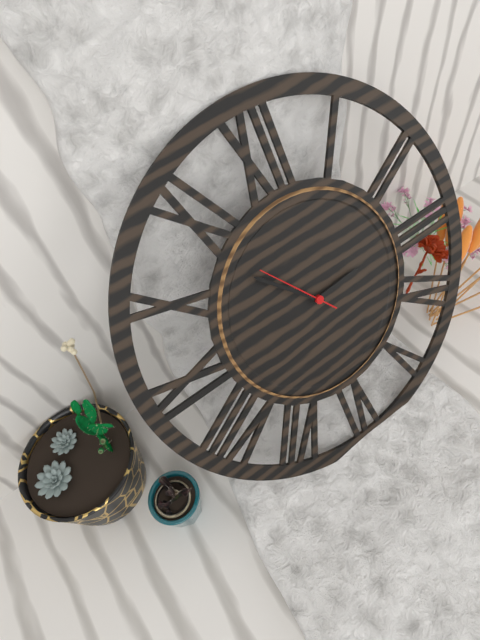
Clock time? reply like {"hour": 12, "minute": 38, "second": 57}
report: {"hour": 2, "minute": 53, "second": 54}
